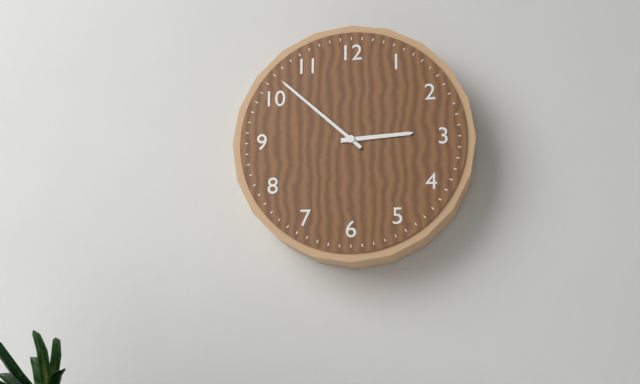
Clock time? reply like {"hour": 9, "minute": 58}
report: {"hour": 2, "minute": 52}
